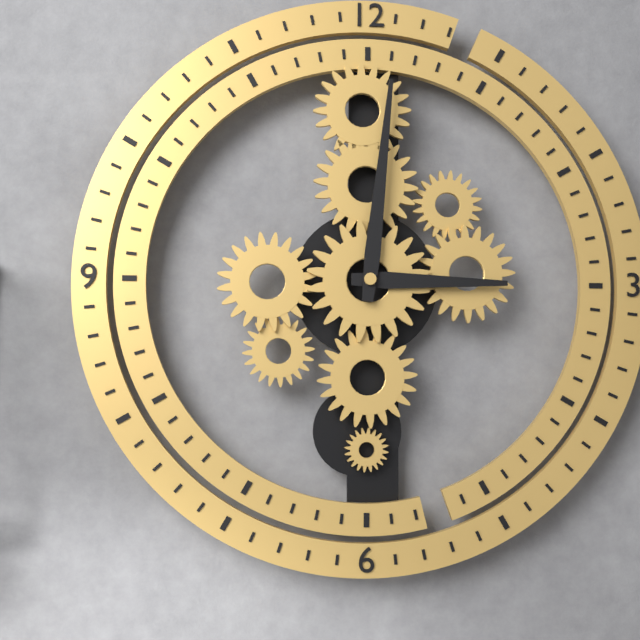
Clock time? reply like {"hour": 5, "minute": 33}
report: {"hour": 3, "minute": 1}
